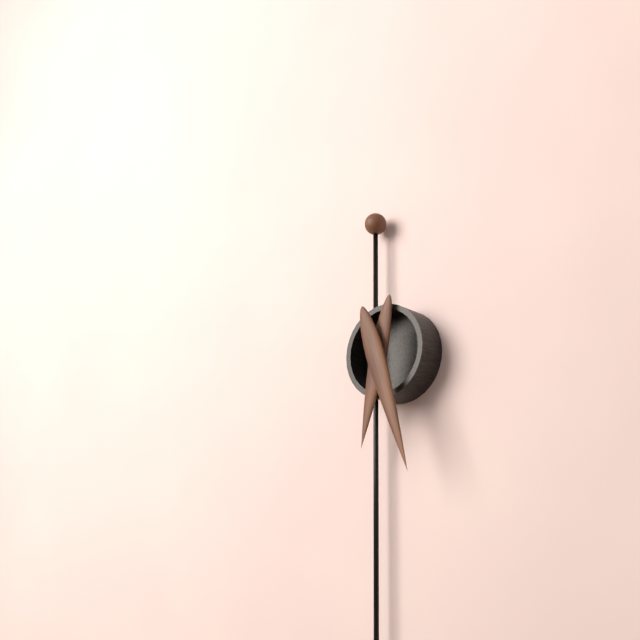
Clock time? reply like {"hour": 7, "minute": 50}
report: {"hour": 6, "minute": 27}
